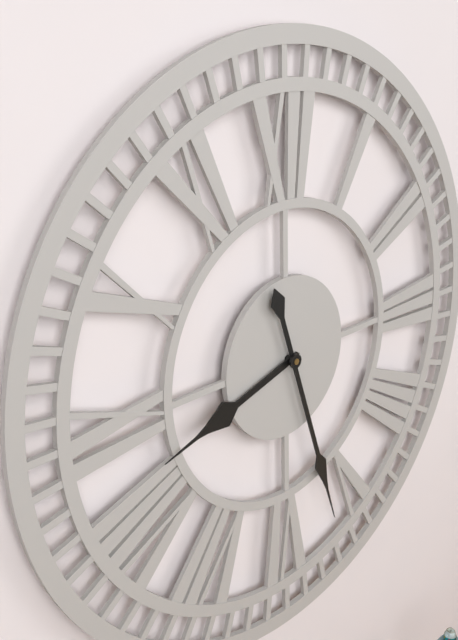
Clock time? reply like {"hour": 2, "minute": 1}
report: {"hour": 8, "minute": 27}
